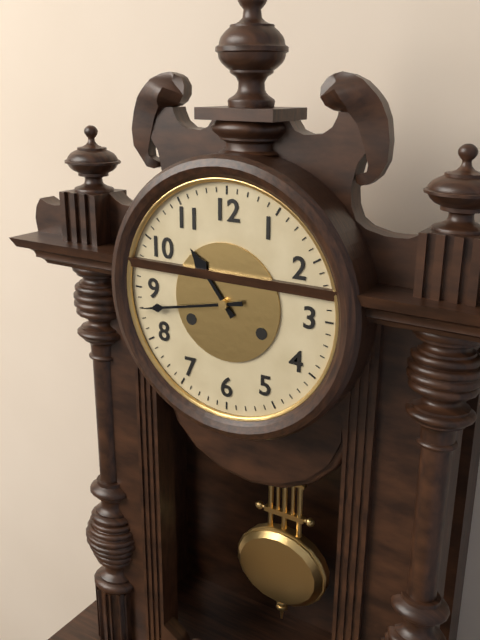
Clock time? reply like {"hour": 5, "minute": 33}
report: {"hour": 10, "minute": 43}
